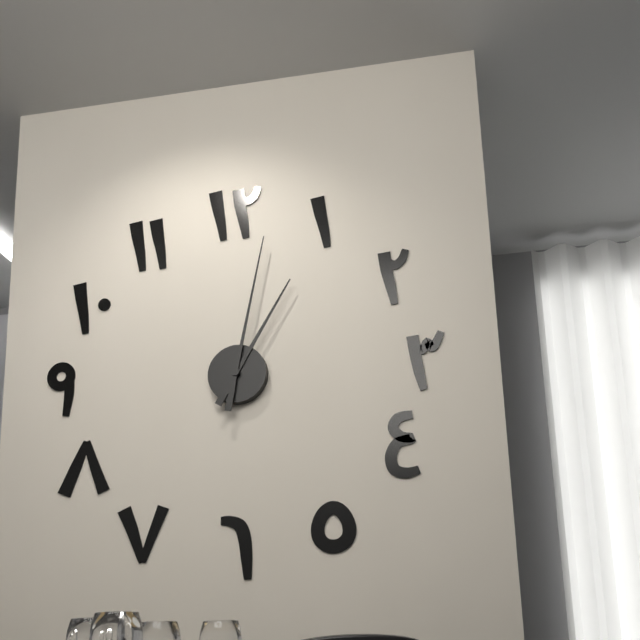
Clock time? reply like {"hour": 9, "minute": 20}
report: {"hour": 1, "minute": 2}
